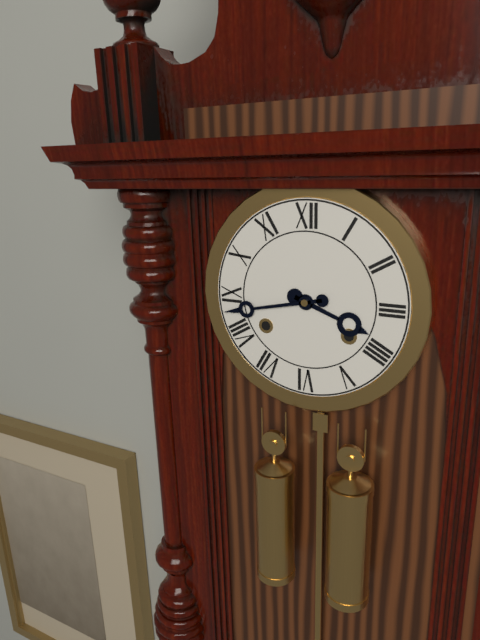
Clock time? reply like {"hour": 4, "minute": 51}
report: {"hour": 3, "minute": 43}
